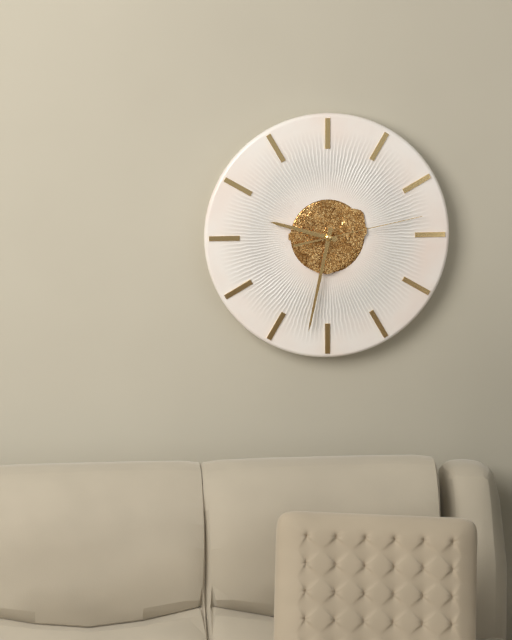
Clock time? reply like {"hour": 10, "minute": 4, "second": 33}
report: {"hour": 9, "minute": 32, "second": 13}
